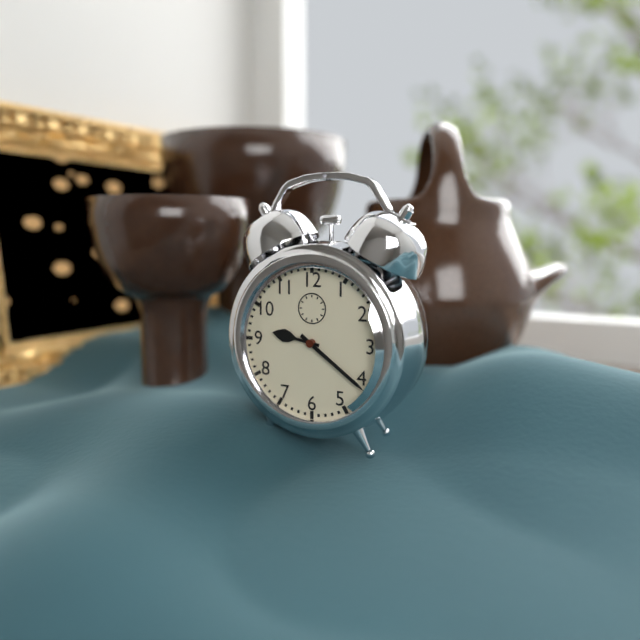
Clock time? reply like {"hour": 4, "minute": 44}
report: {"hour": 9, "minute": 21}
